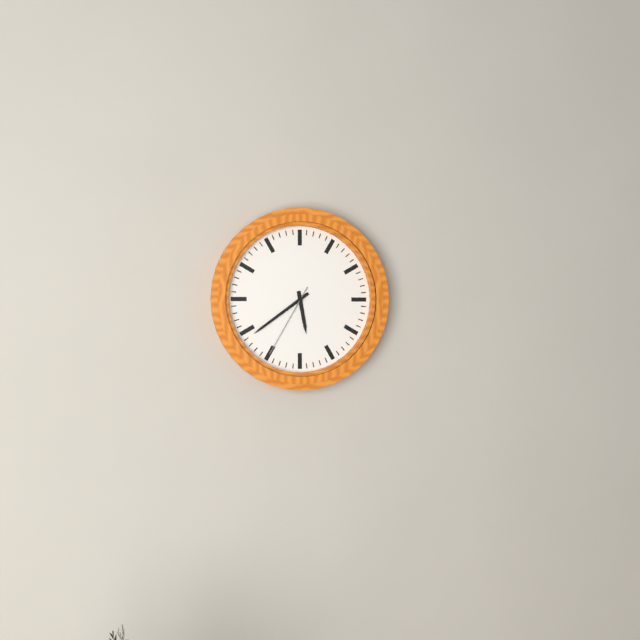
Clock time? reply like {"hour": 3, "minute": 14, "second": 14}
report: {"hour": 5, "minute": 39, "second": 35}
